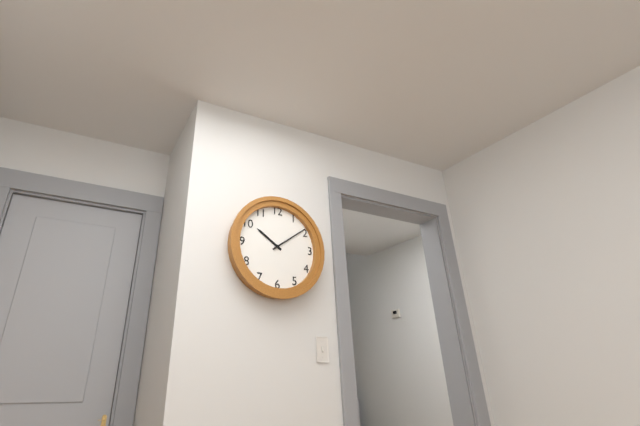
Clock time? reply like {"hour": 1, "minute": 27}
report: {"hour": 10, "minute": 9}
